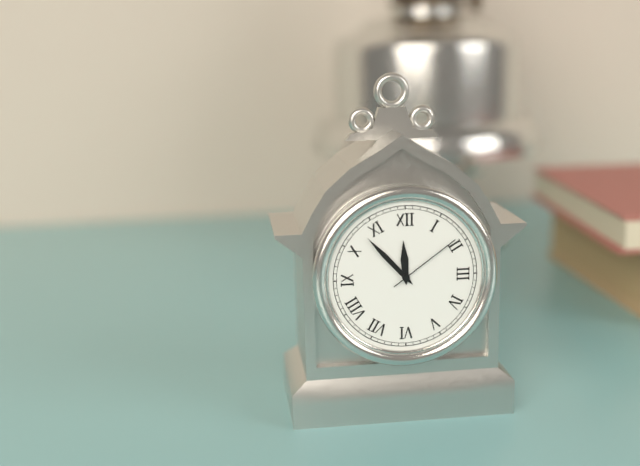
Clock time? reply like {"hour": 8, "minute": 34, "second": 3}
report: {"hour": 11, "minute": 53, "second": 9}
